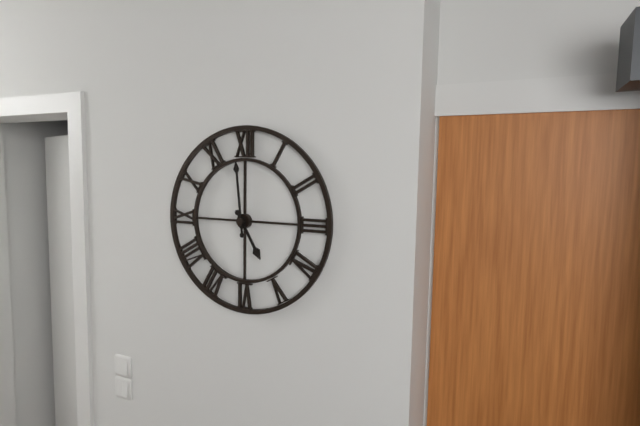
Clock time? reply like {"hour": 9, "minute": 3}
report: {"hour": 4, "minute": 59}
